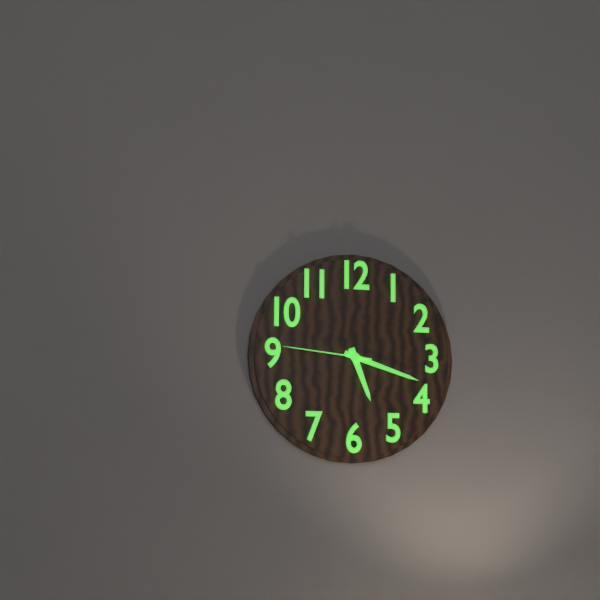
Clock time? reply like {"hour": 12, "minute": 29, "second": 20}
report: {"hour": 5, "minute": 18, "second": 46}
